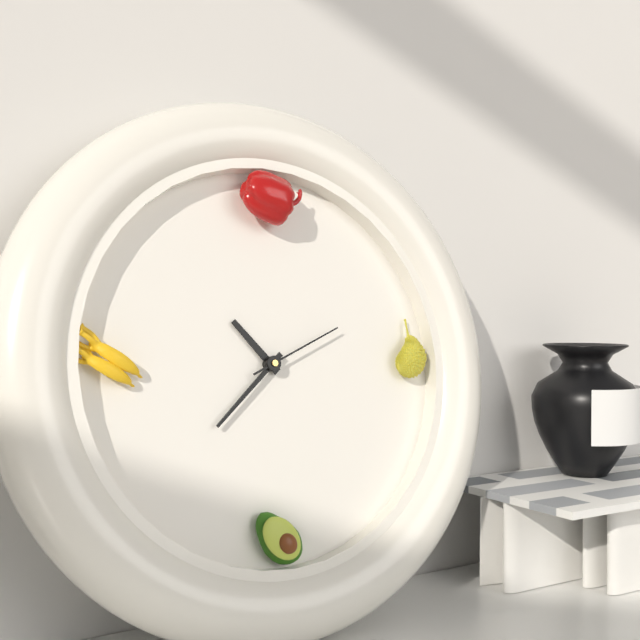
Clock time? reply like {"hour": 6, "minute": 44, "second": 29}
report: {"hour": 10, "minute": 38, "second": 11}
